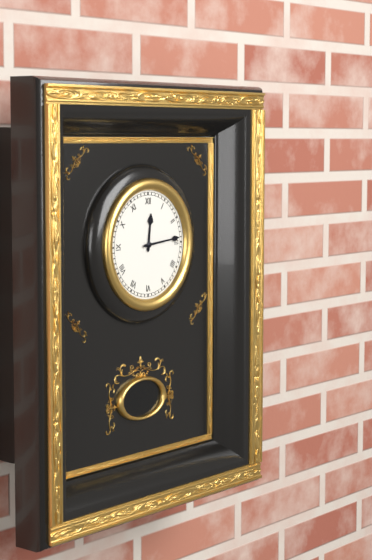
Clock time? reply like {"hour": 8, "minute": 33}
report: {"hour": 12, "minute": 14}
